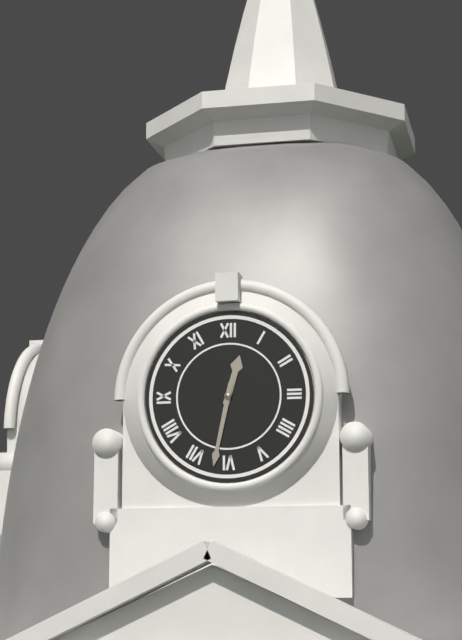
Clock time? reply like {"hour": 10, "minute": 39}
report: {"hour": 12, "minute": 32}
